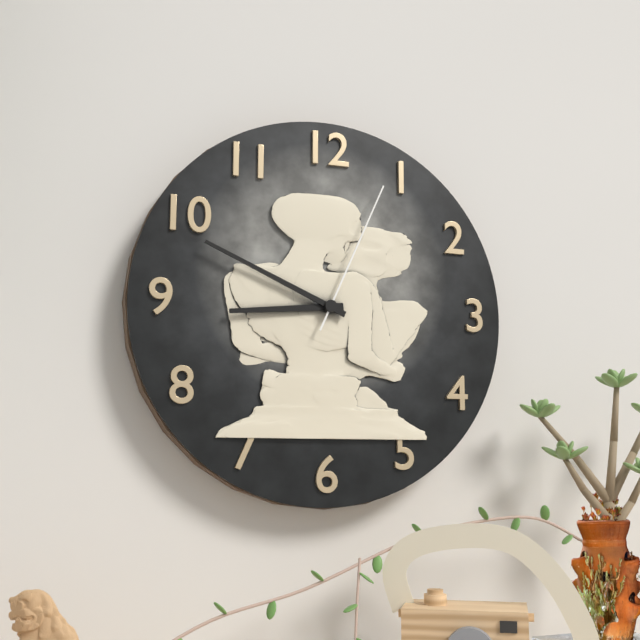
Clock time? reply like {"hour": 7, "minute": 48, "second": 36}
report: {"hour": 8, "minute": 49, "second": 4}
